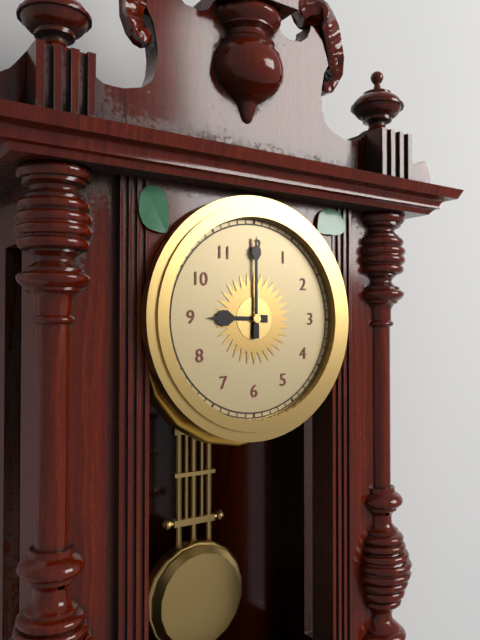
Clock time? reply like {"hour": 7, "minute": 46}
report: {"hour": 9, "minute": 0}
